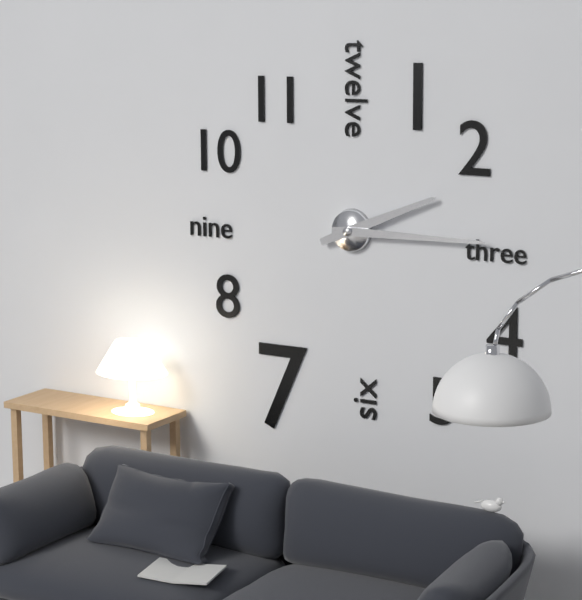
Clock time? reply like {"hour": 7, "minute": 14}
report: {"hour": 2, "minute": 15}
